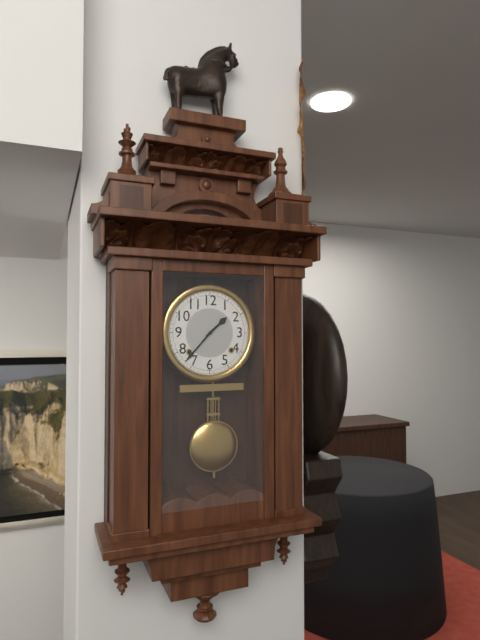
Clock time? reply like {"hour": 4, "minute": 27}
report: {"hour": 1, "minute": 37}
